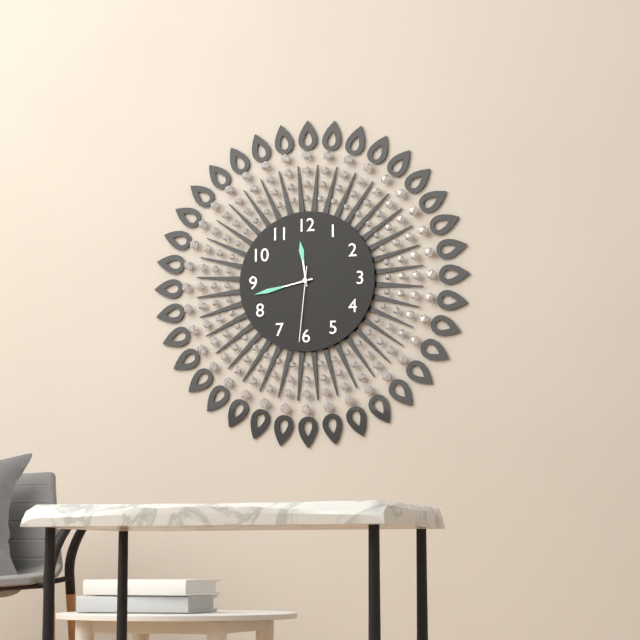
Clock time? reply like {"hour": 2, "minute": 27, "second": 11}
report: {"hour": 11, "minute": 43, "second": 31}
